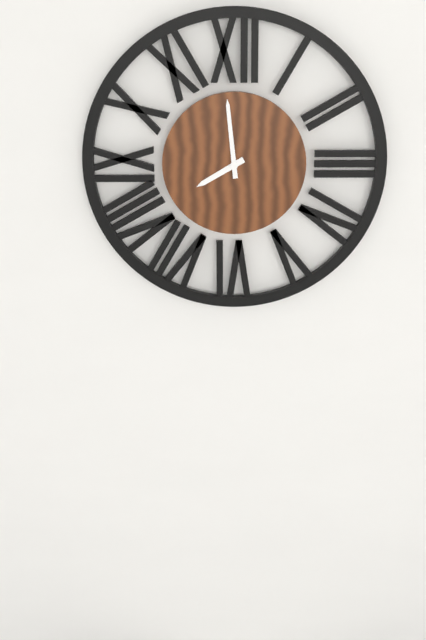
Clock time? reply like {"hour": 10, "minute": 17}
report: {"hour": 7, "minute": 59}
